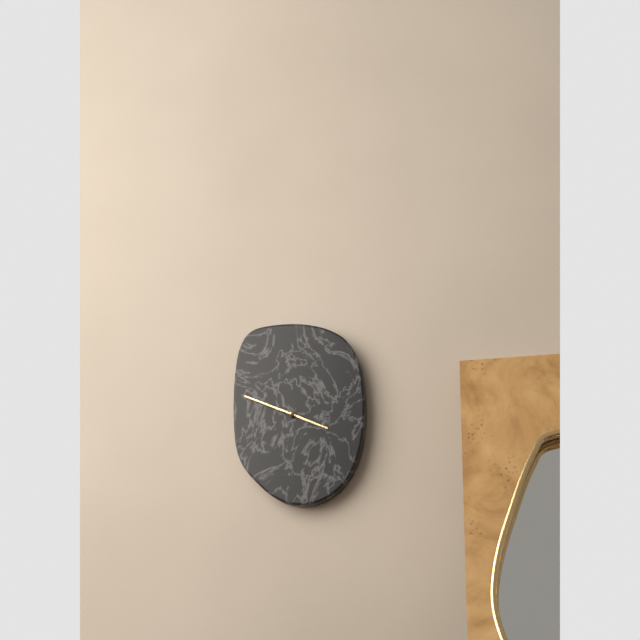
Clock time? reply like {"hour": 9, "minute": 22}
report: {"hour": 3, "minute": 49}
